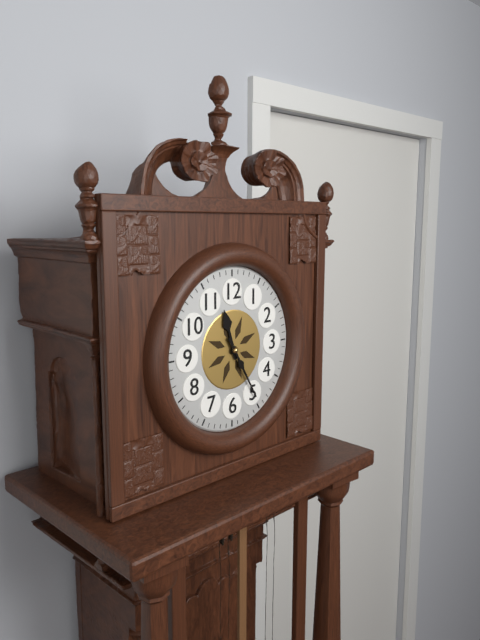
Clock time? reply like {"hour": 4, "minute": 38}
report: {"hour": 11, "minute": 25}
